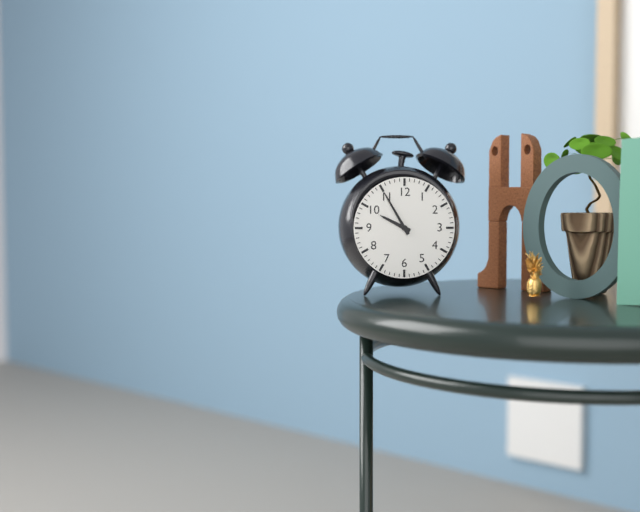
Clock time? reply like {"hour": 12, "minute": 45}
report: {"hour": 9, "minute": 55}
